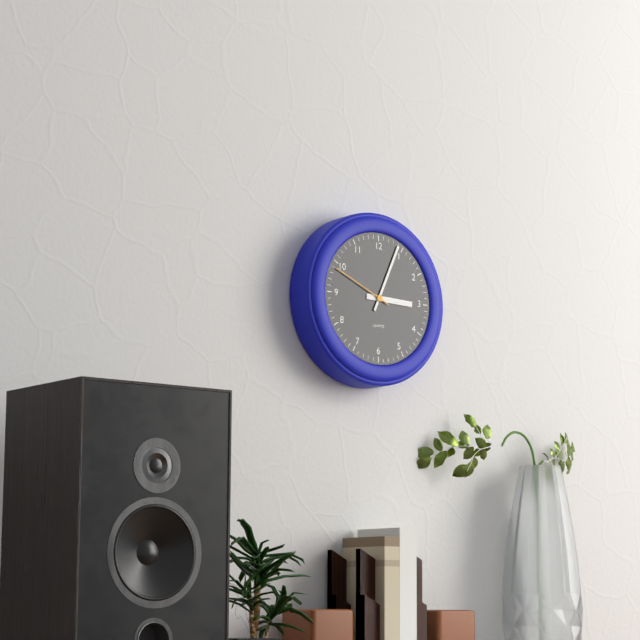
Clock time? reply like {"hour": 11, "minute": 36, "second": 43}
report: {"hour": 3, "minute": 4, "second": 49}
